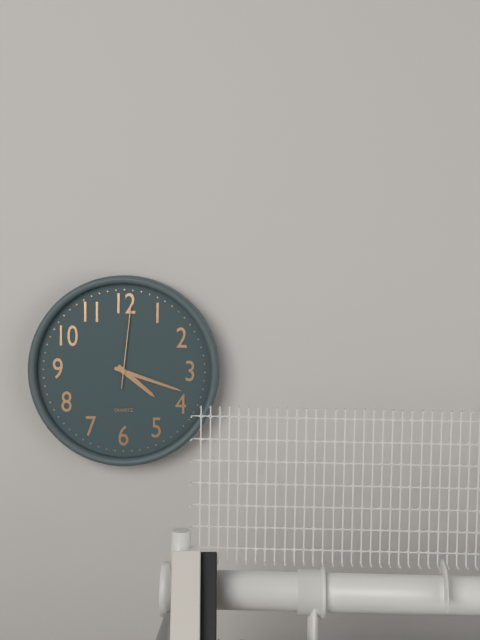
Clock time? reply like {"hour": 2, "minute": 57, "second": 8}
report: {"hour": 4, "minute": 18, "second": 1}
